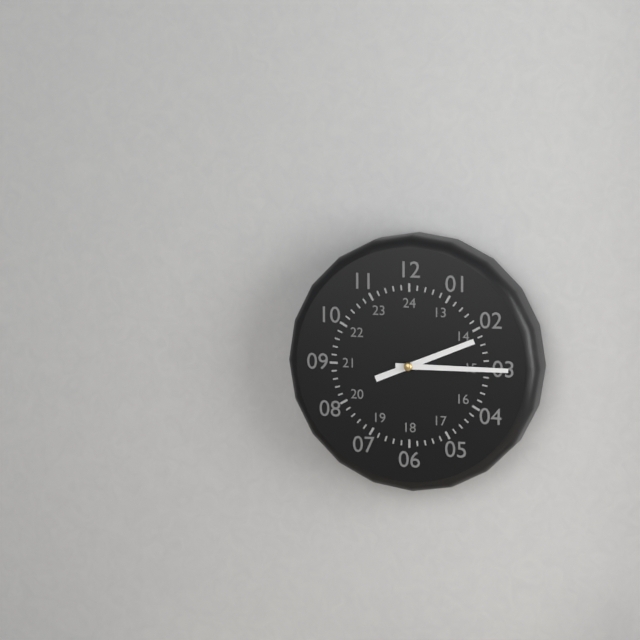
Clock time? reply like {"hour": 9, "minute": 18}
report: {"hour": 2, "minute": 15}
